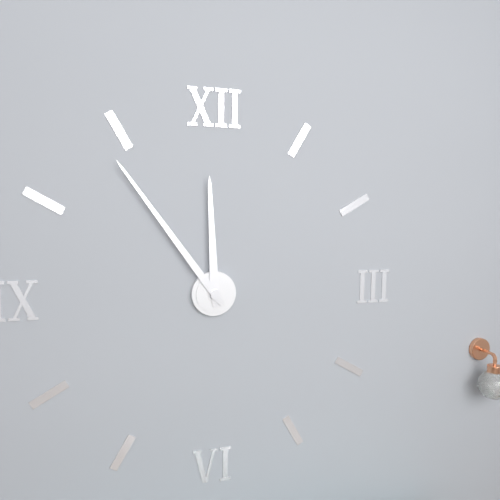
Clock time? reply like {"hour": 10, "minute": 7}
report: {"hour": 11, "minute": 54}
